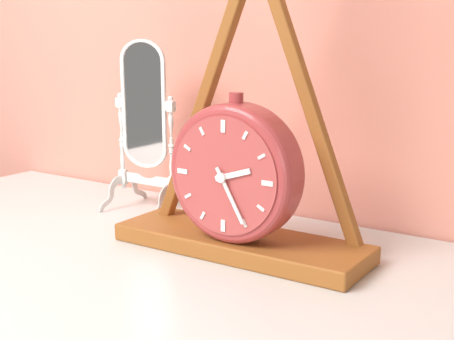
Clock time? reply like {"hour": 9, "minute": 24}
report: {"hour": 2, "minute": 25}
